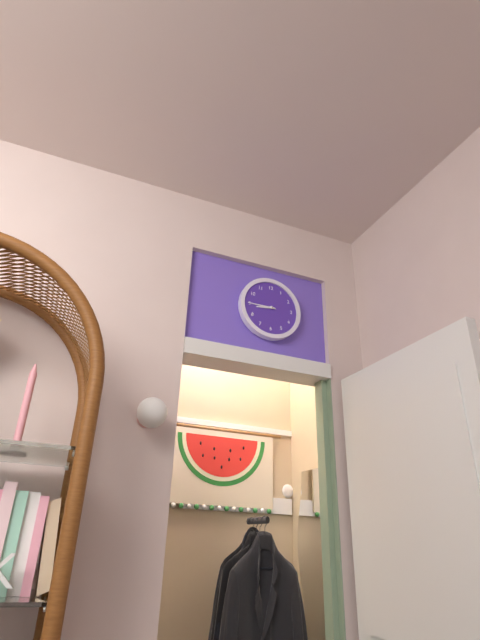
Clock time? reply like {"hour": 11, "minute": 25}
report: {"hour": 8, "minute": 45}
